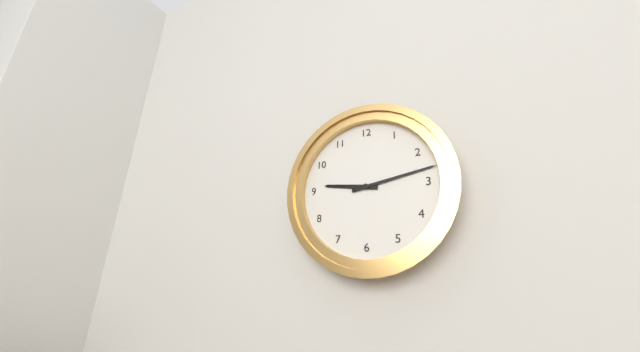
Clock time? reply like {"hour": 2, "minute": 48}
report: {"hour": 9, "minute": 13}
